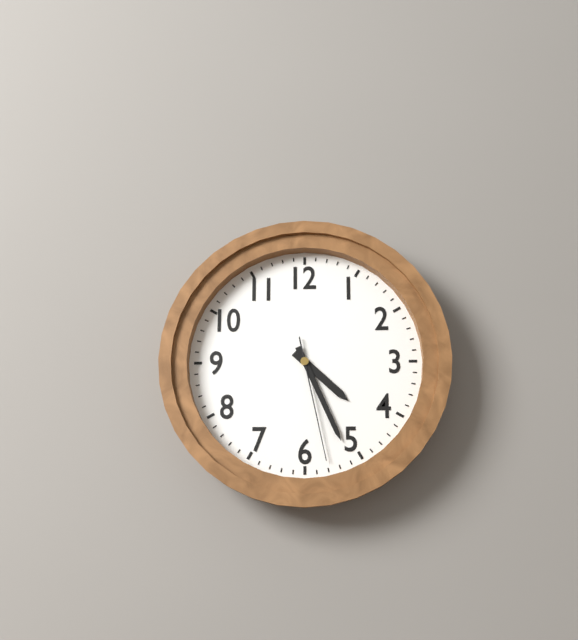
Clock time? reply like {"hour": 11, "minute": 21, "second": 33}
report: {"hour": 4, "minute": 26, "second": 28}
